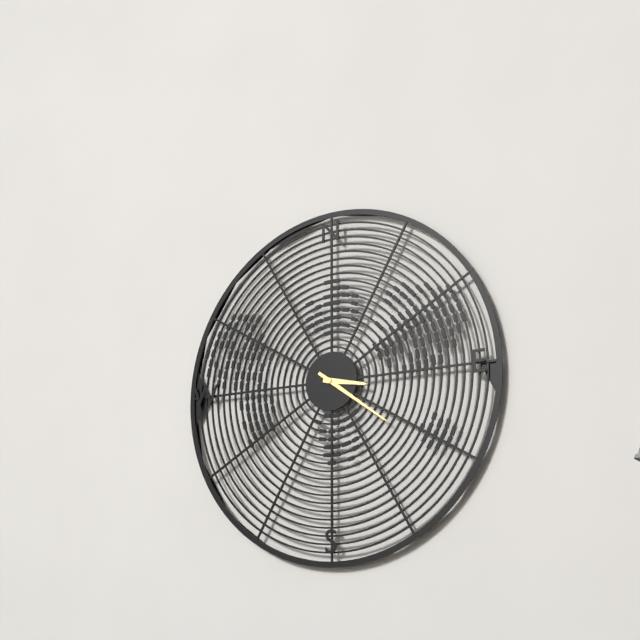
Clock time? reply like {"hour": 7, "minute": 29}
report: {"hour": 3, "minute": 21}
